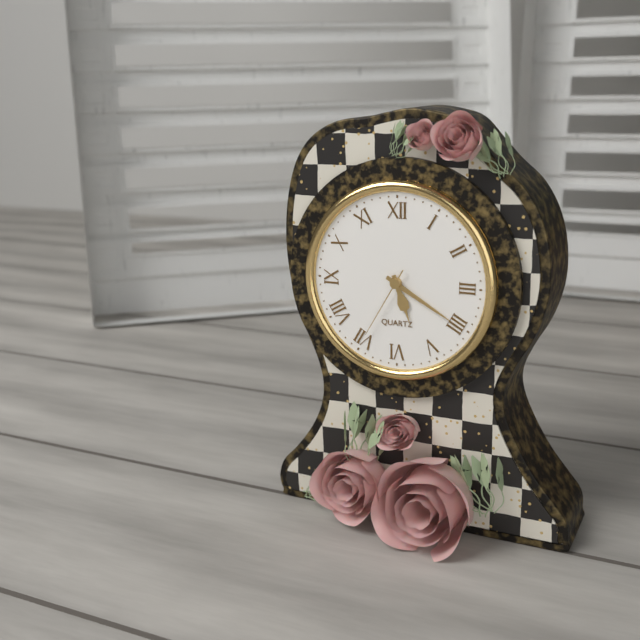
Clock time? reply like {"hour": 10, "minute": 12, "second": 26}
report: {"hour": 5, "minute": 20, "second": 35}
